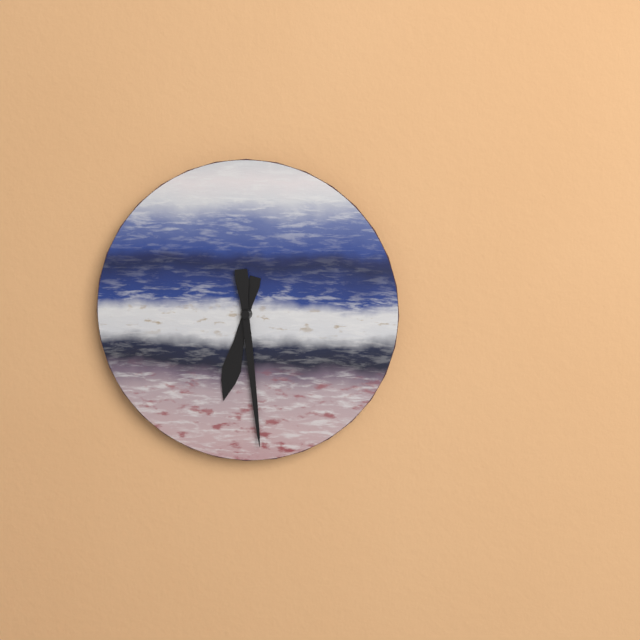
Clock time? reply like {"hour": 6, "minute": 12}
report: {"hour": 6, "minute": 29}
